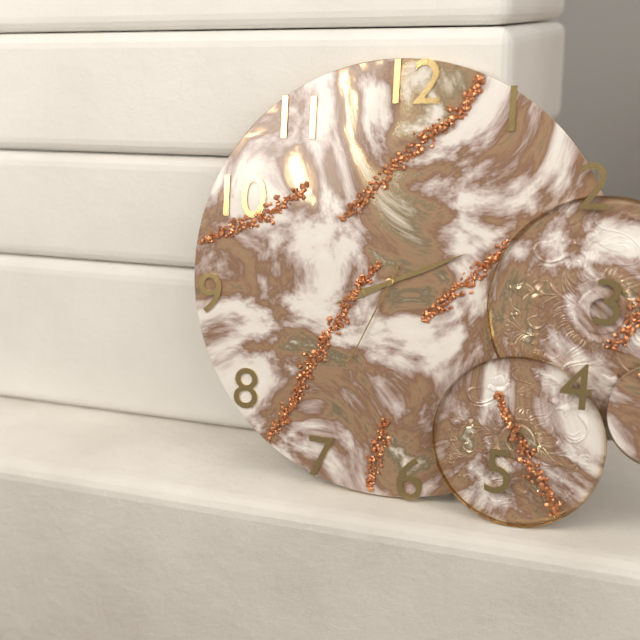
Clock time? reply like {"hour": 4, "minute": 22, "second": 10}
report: {"hour": 8, "minute": 11, "second": 34}
